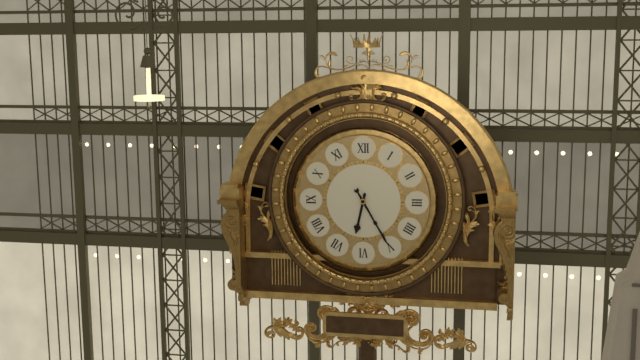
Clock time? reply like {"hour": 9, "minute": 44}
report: {"hour": 6, "minute": 25}
